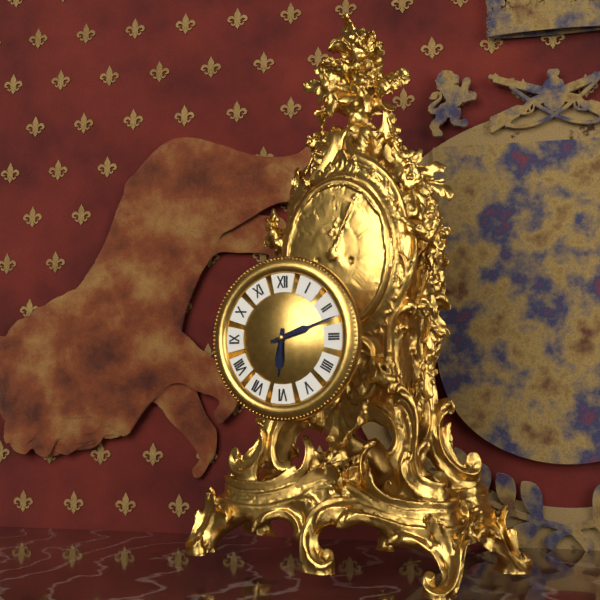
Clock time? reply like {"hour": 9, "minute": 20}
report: {"hour": 6, "minute": 12}
